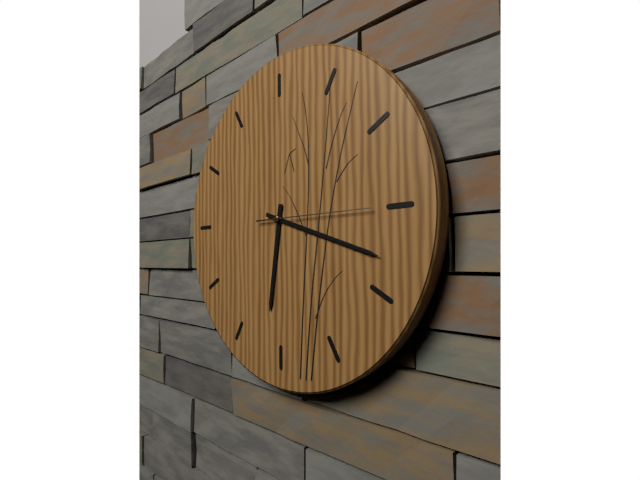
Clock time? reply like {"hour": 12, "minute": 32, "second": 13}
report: {"hour": 6, "minute": 18, "second": 15}
